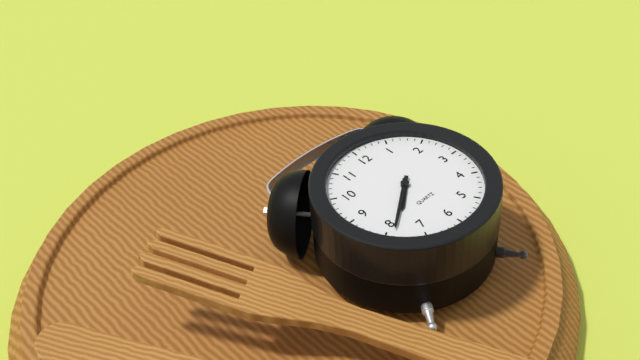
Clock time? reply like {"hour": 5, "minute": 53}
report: {"hour": 7, "minute": 39}
